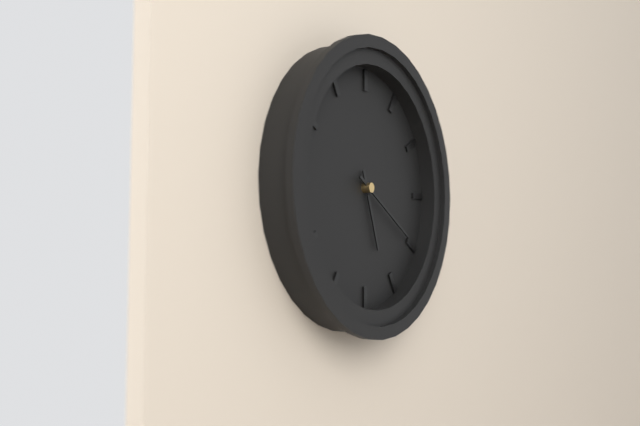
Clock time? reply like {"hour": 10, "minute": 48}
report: {"hour": 5, "minute": 20}
